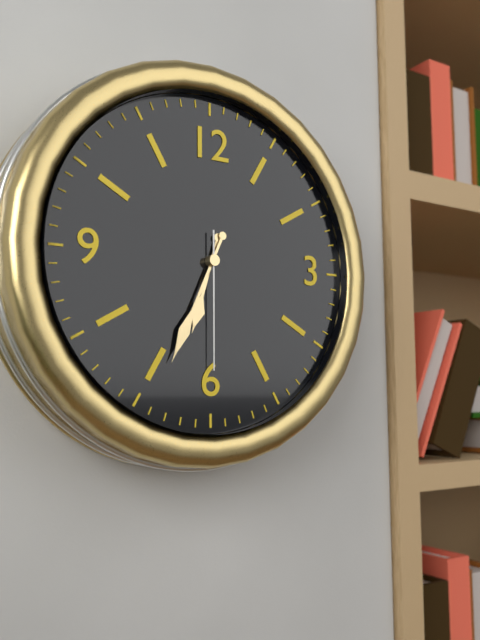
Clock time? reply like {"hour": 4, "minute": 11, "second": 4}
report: {"hour": 6, "minute": 34, "second": 30}
